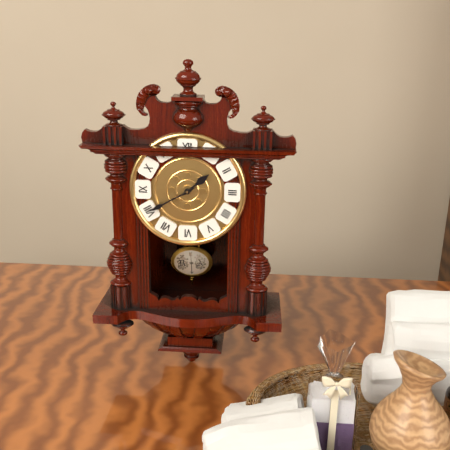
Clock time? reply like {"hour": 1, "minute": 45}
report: {"hour": 1, "minute": 40}
